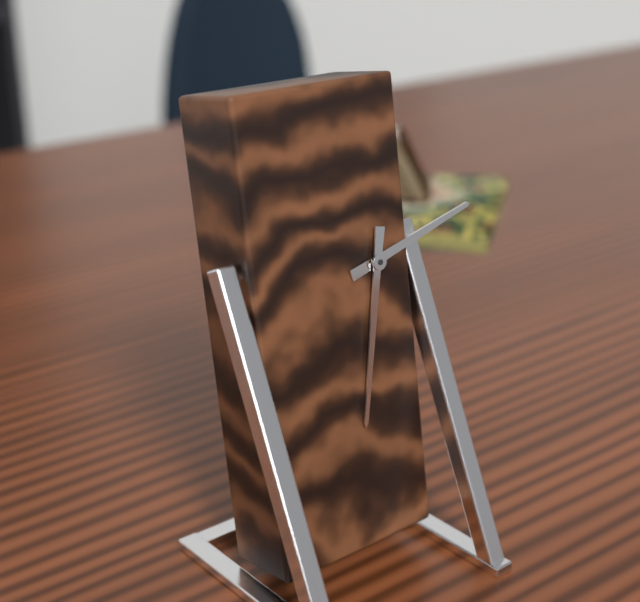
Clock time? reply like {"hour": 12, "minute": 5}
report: {"hour": 2, "minute": 32}
